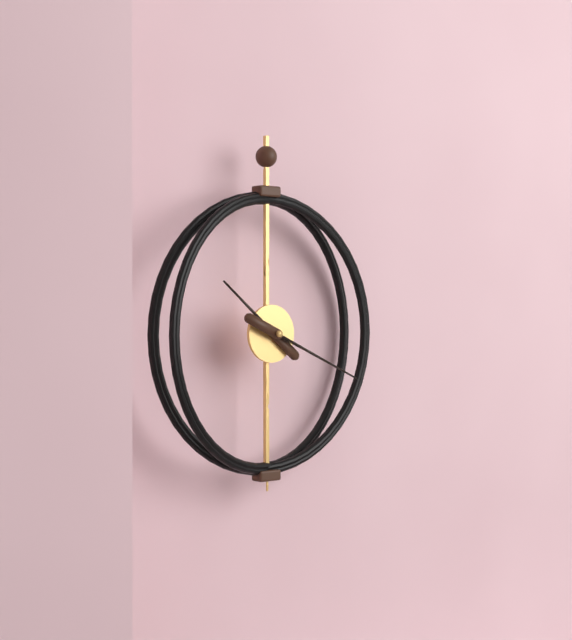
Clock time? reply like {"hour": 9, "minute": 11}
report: {"hour": 10, "minute": 19}
